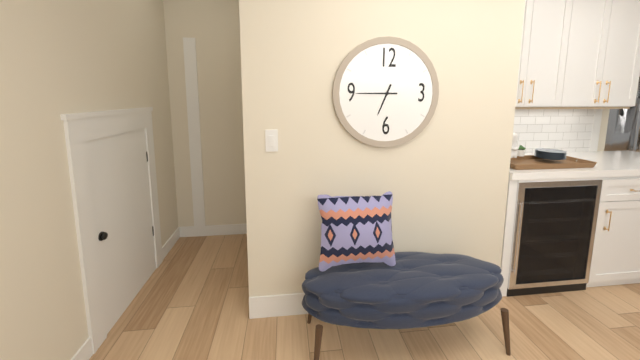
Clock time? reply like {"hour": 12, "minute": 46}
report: {"hour": 6, "minute": 45}
